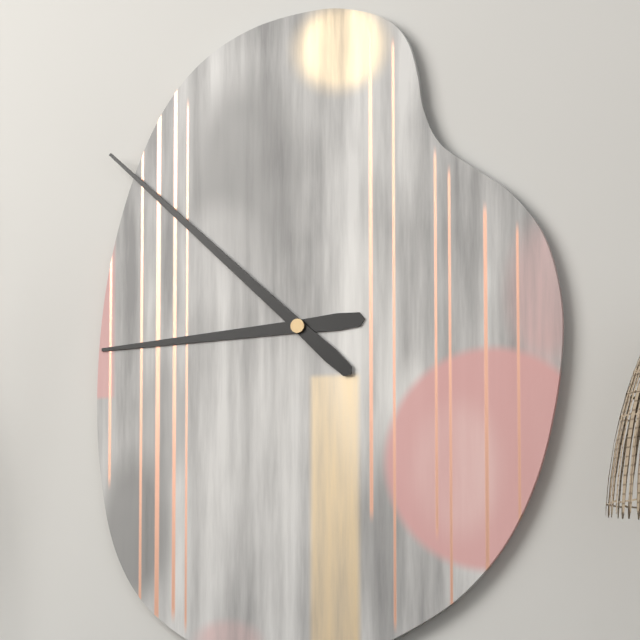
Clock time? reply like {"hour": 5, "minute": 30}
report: {"hour": 8, "minute": 52}
